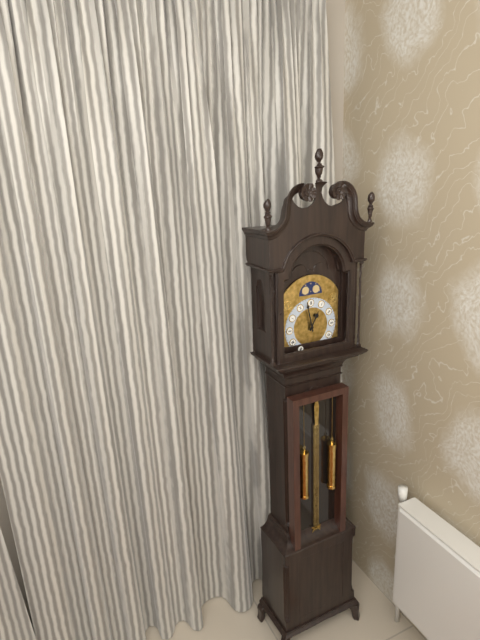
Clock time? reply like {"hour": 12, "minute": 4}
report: {"hour": 12, "minute": 58}
